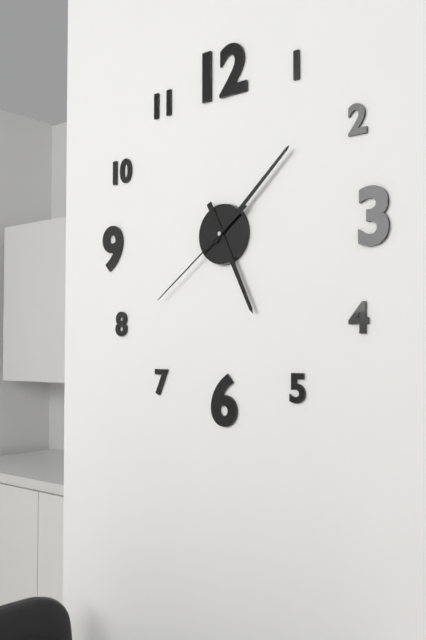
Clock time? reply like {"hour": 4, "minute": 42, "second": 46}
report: {"hour": 5, "minute": 8, "second": 39}
